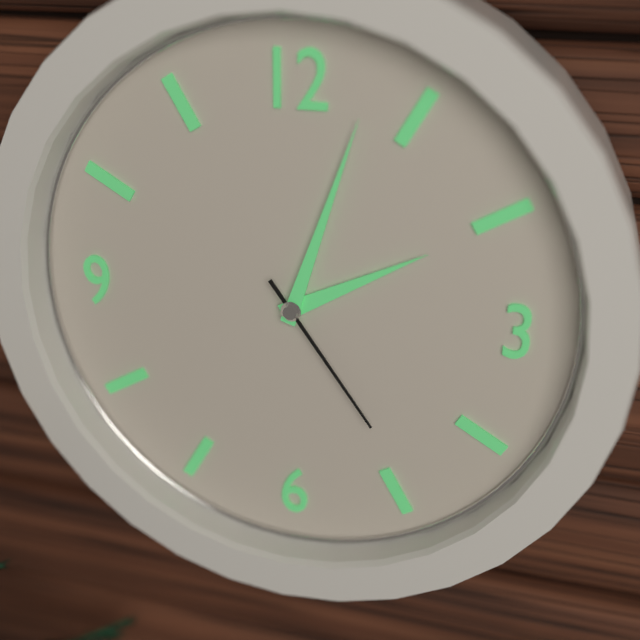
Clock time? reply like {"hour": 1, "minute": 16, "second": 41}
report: {"hour": 2, "minute": 3, "second": 24}
